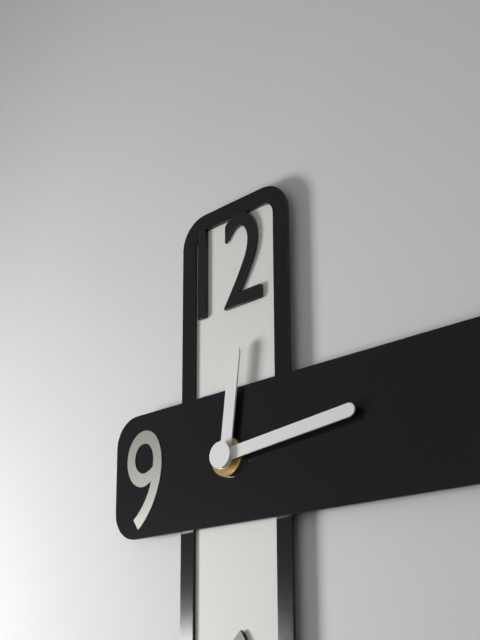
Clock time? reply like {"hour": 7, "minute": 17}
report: {"hour": 12, "minute": 14}
